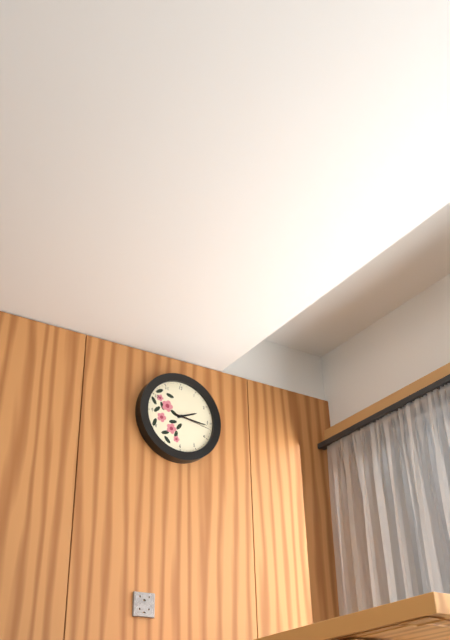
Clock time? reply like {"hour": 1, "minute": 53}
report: {"hour": 2, "minute": 16}
